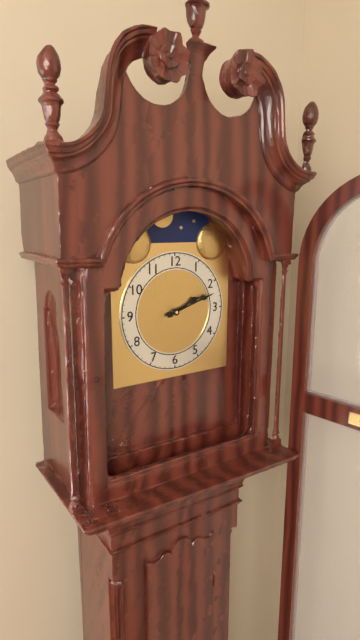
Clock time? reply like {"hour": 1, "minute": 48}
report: {"hour": 2, "minute": 12}
